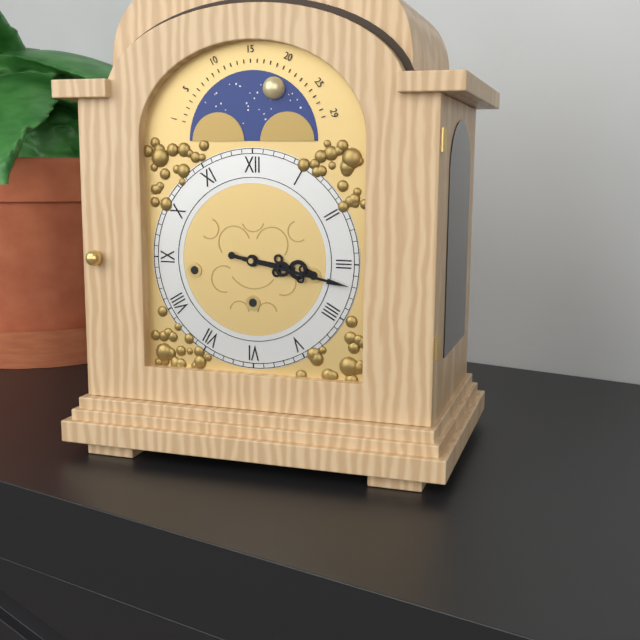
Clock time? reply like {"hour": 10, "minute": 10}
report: {"hour": 3, "minute": 17}
